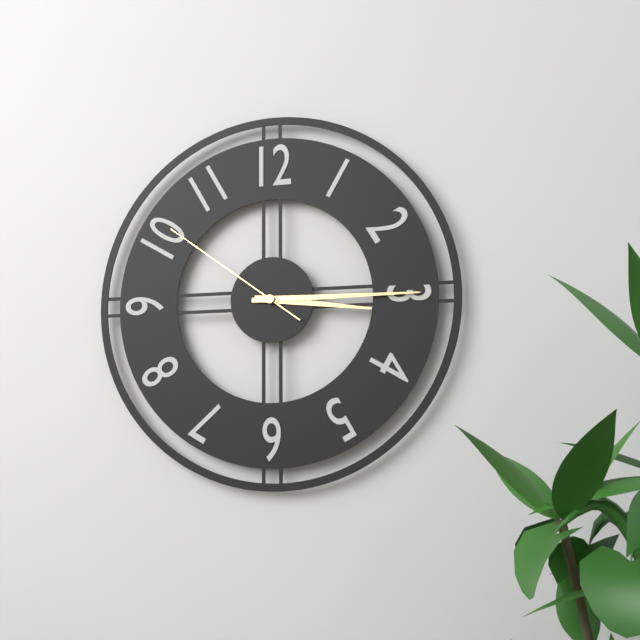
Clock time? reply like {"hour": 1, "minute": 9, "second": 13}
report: {"hour": 3, "minute": 15, "second": 51}
